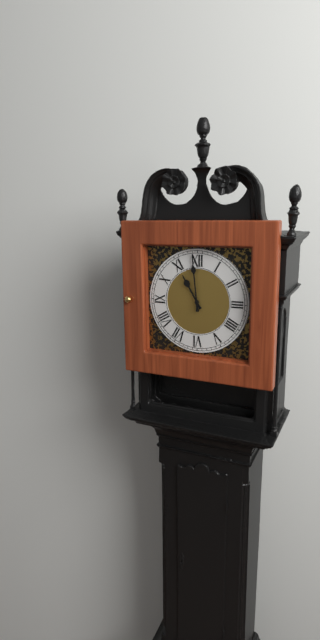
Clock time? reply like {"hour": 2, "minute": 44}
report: {"hour": 10, "minute": 59}
